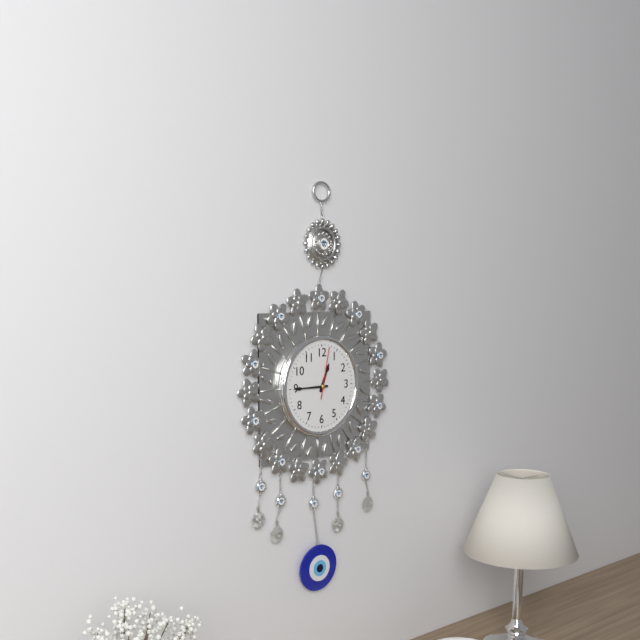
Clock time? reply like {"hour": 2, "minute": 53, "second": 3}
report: {"hour": 12, "minute": 45, "second": 2}
